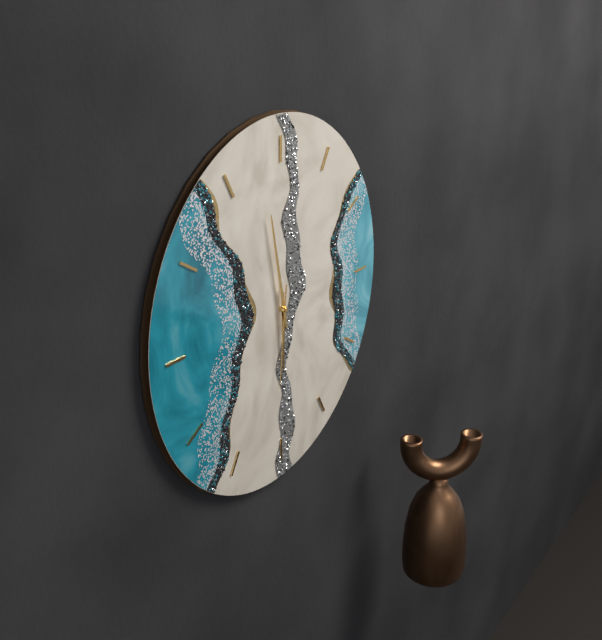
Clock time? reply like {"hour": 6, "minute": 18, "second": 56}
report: {"hour": 5, "minute": 58, "second": 31}
